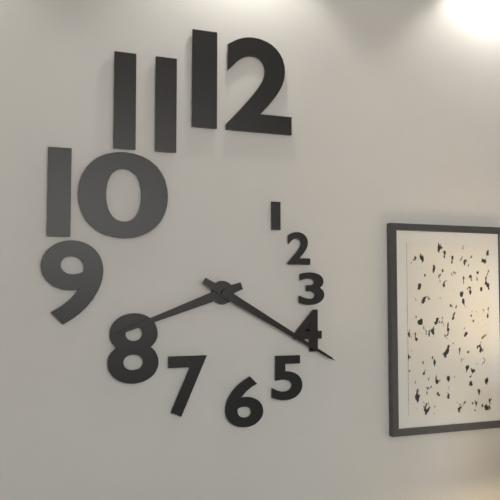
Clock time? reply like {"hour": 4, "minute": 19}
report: {"hour": 8, "minute": 20}
